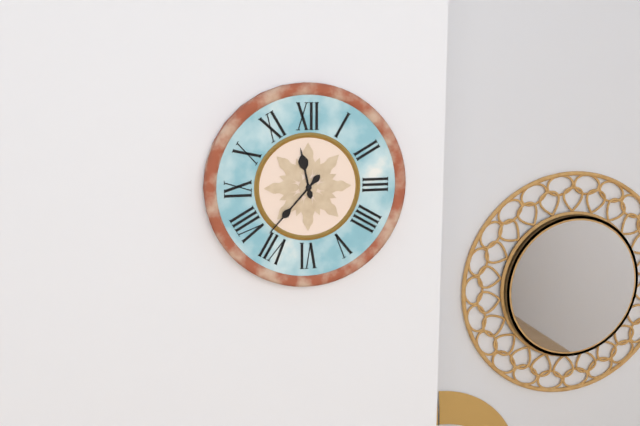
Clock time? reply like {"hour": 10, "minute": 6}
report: {"hour": 11, "minute": 37}
